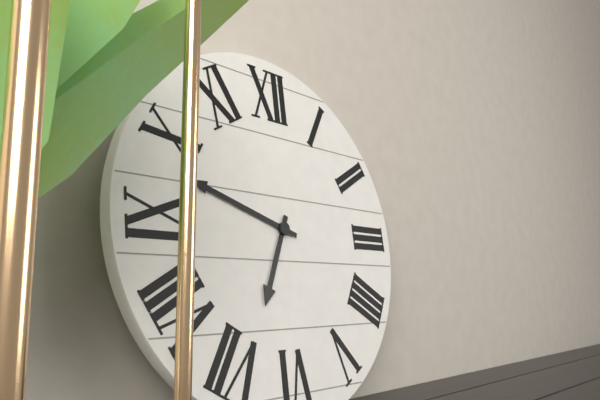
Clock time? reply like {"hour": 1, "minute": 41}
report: {"hour": 6, "minute": 48}
